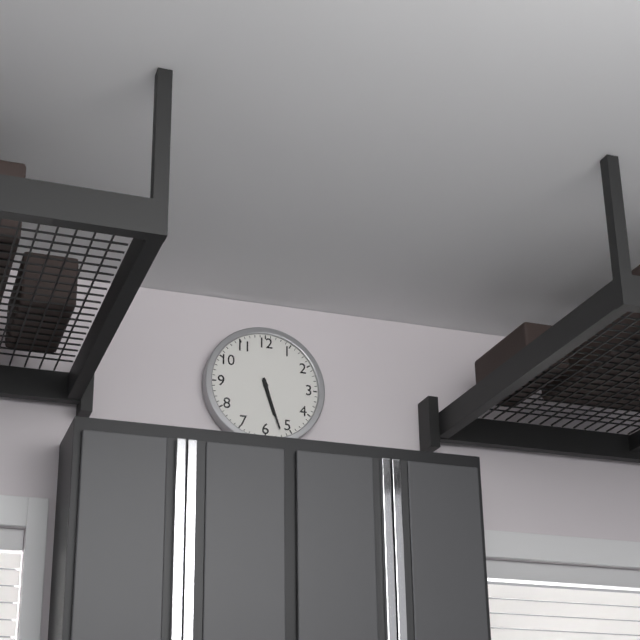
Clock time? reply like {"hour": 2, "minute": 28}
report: {"hour": 5, "minute": 27}
